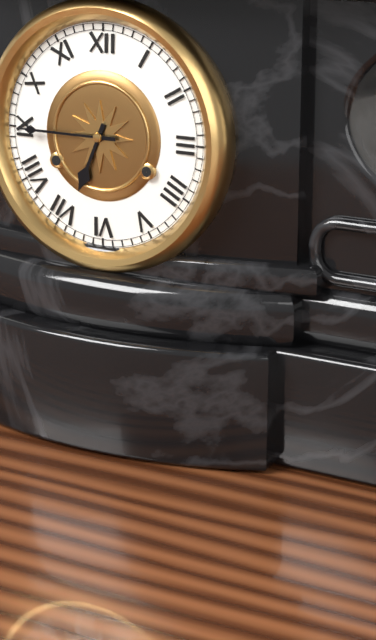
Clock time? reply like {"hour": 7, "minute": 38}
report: {"hour": 6, "minute": 45}
